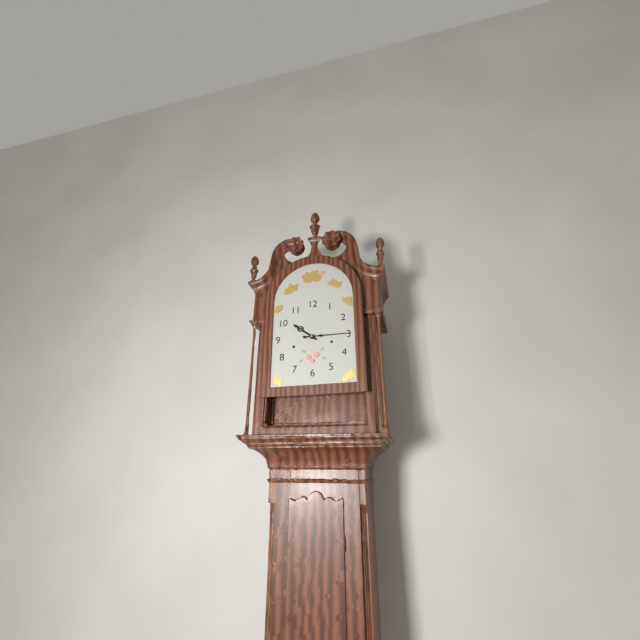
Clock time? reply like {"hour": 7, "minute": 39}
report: {"hour": 10, "minute": 15}
